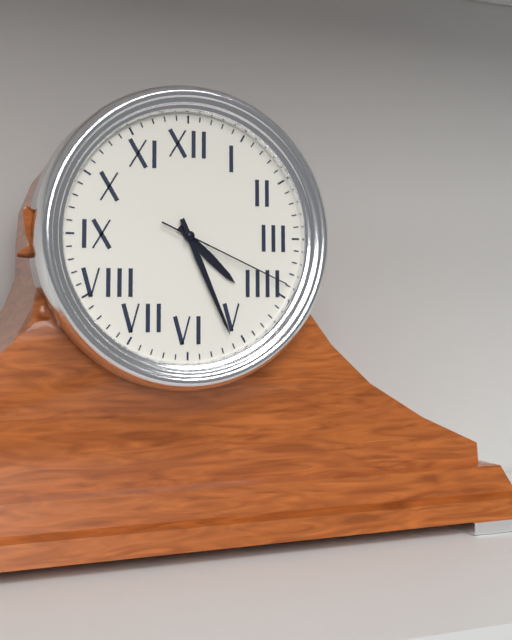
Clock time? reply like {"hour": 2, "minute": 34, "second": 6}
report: {"hour": 4, "minute": 26, "second": 19}
